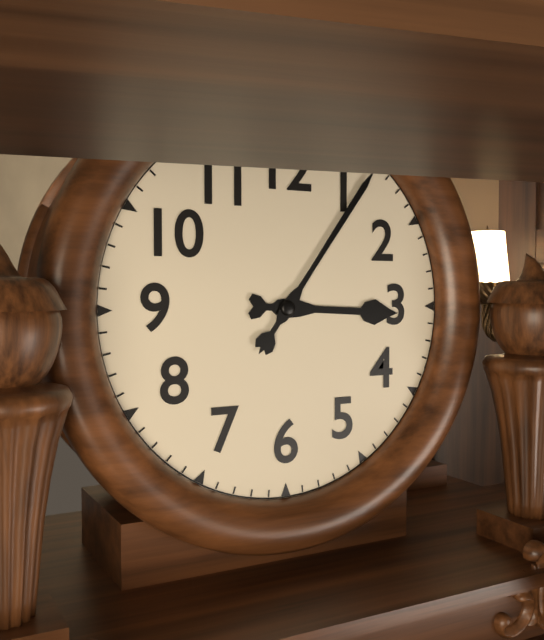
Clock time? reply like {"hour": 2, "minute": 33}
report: {"hour": 3, "minute": 6}
